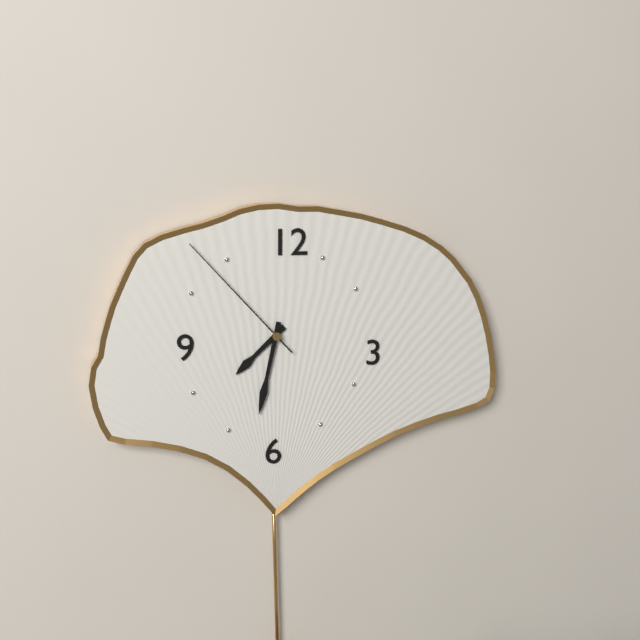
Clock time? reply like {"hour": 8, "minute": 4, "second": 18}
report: {"hour": 7, "minute": 32, "second": 53}
